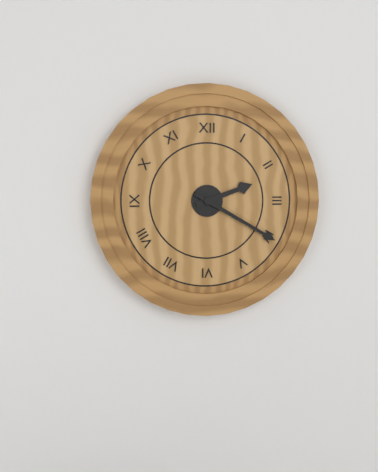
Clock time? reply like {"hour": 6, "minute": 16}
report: {"hour": 2, "minute": 20}
